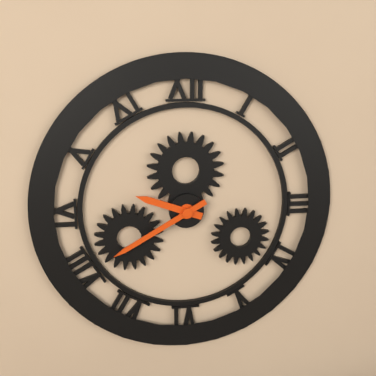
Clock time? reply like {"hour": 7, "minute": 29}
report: {"hour": 9, "minute": 40}
